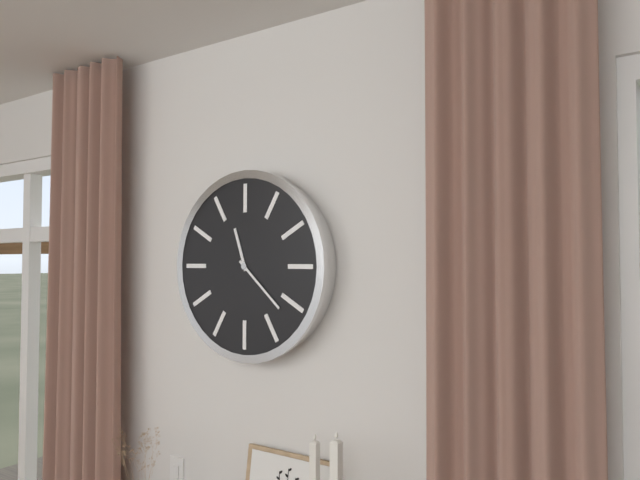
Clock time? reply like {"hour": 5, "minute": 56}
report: {"hour": 11, "minute": 22}
